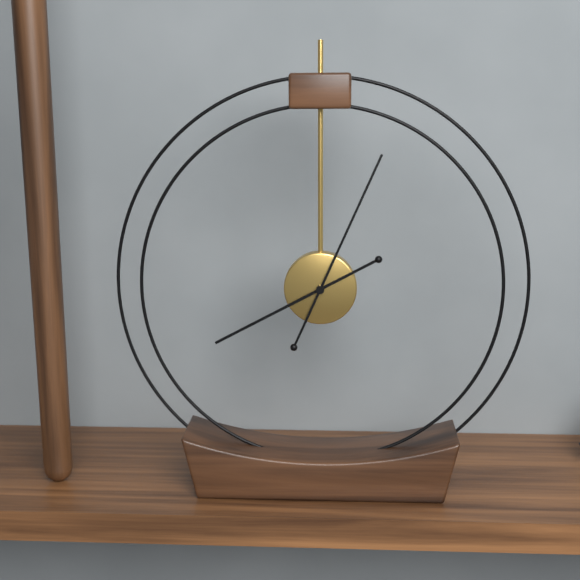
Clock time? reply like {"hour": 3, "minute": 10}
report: {"hour": 8, "minute": 4}
